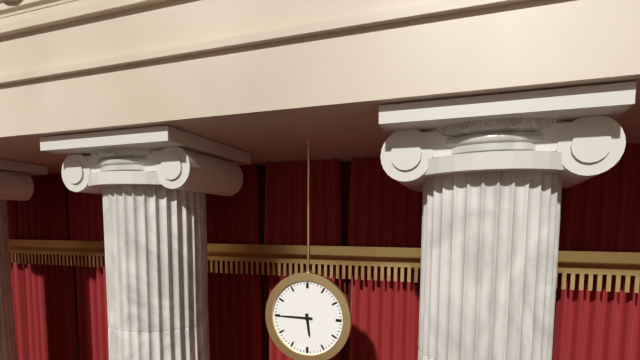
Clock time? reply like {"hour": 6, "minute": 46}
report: {"hour": 5, "minute": 45}
